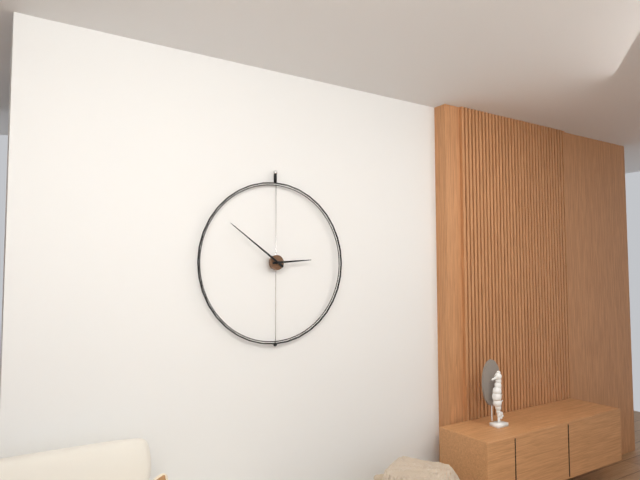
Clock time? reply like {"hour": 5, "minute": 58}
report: {"hour": 2, "minute": 51}
